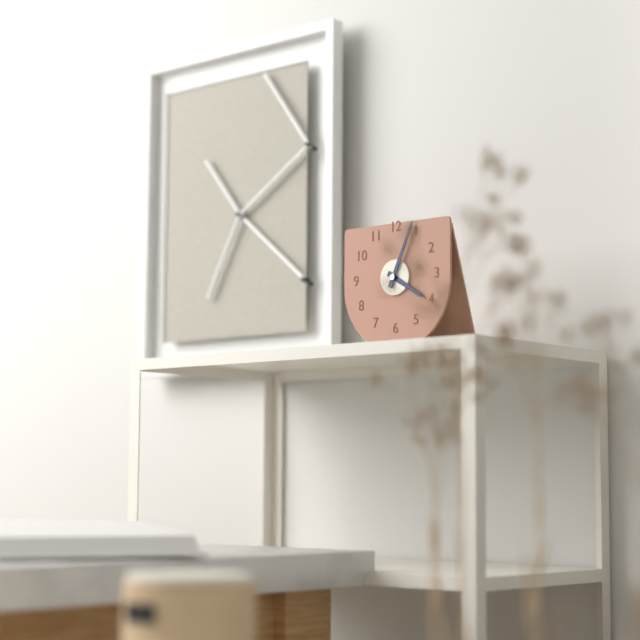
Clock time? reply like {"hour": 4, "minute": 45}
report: {"hour": 4, "minute": 4}
